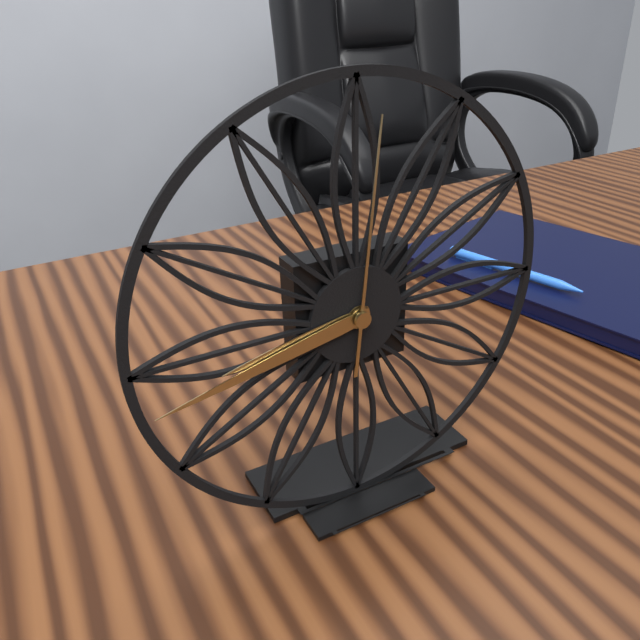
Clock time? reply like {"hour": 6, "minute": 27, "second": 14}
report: {"hour": 8, "minute": 43, "second": 1}
